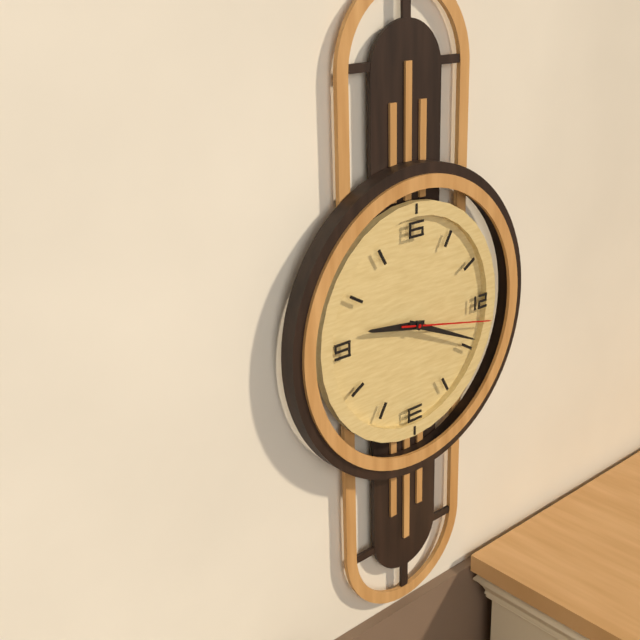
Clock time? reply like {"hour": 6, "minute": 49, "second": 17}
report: {"hour": 9, "minute": 19, "second": 17}
